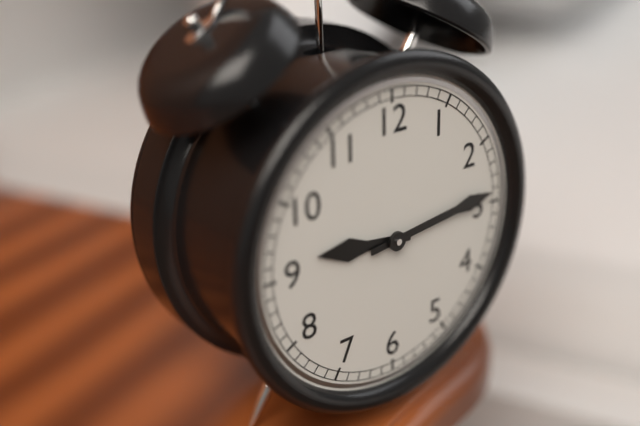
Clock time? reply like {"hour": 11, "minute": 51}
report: {"hour": 9, "minute": 14}
